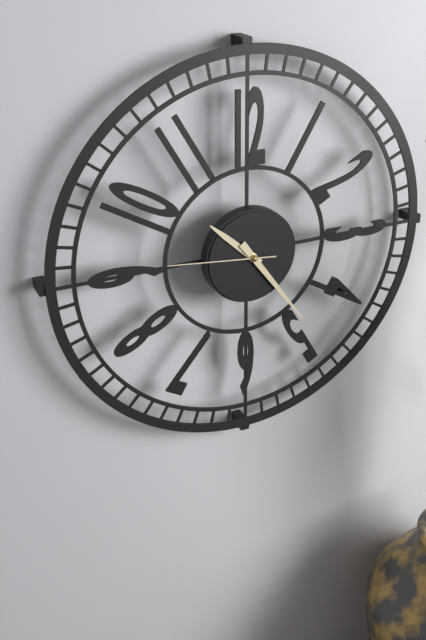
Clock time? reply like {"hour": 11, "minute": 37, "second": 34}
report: {"hour": 10, "minute": 24, "second": 46}
